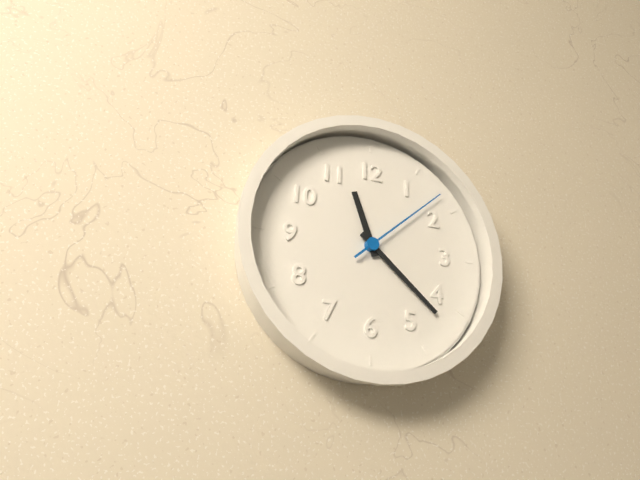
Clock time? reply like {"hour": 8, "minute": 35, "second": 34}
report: {"hour": 11, "minute": 22, "second": 8}
